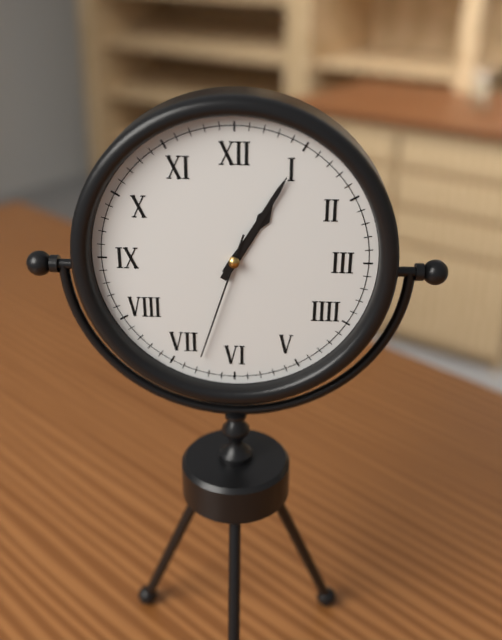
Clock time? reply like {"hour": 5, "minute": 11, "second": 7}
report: {"hour": 1, "minute": 5, "second": 33}
